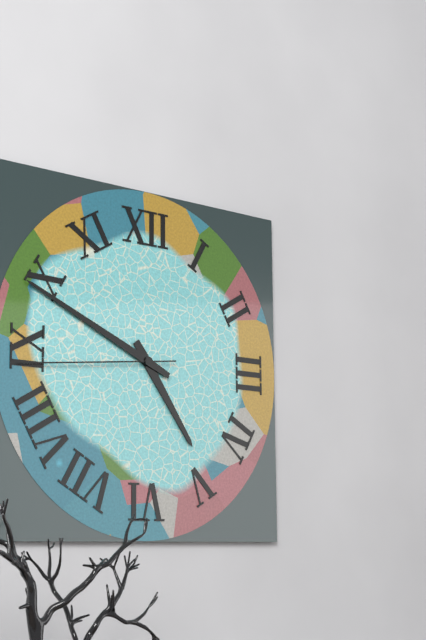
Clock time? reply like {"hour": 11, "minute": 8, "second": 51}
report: {"hour": 4, "minute": 49, "second": 44}
